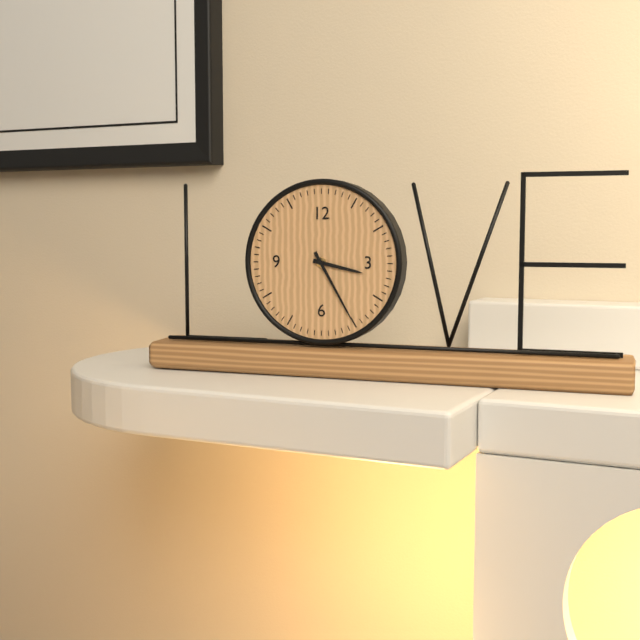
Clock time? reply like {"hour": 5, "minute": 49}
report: {"hour": 3, "minute": 25}
